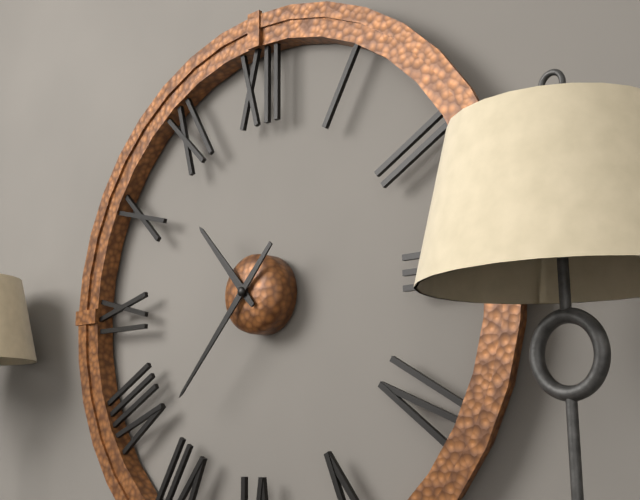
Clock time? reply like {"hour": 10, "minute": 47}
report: {"hour": 10, "minute": 37}
